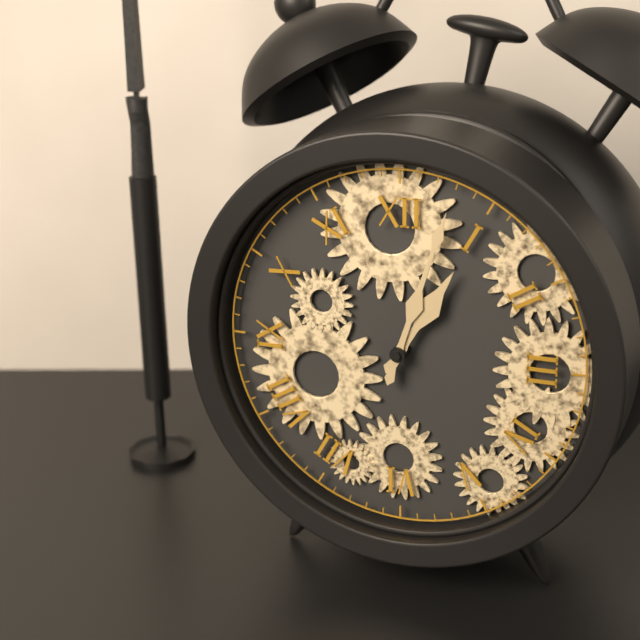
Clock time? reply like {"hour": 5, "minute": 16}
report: {"hour": 1, "minute": 3}
